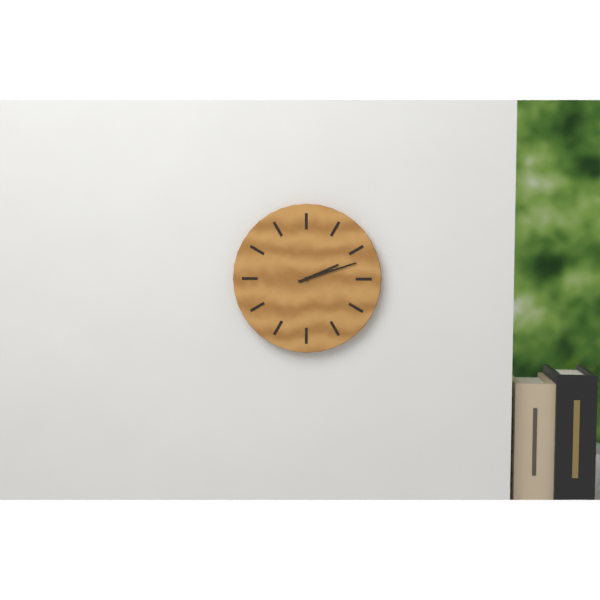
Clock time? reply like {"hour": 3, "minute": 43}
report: {"hour": 2, "minute": 12}
